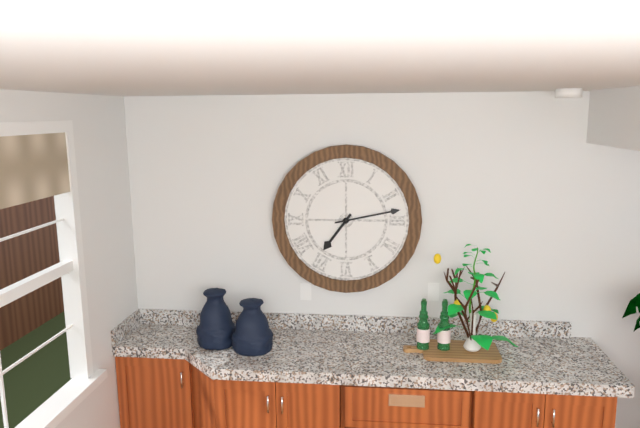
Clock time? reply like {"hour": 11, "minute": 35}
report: {"hour": 7, "minute": 13}
